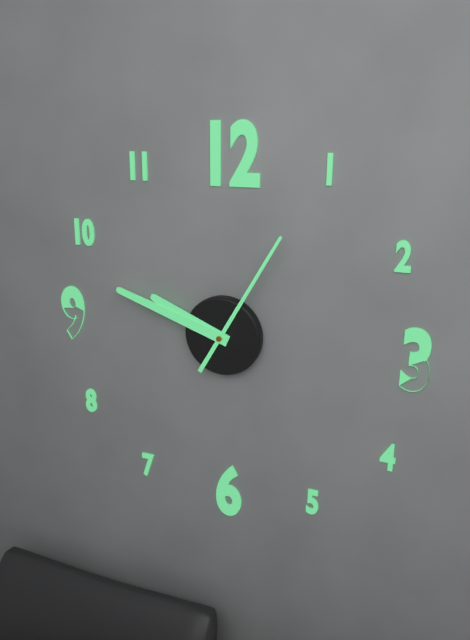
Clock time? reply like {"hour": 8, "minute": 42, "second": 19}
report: {"hour": 9, "minute": 48, "second": 5}
